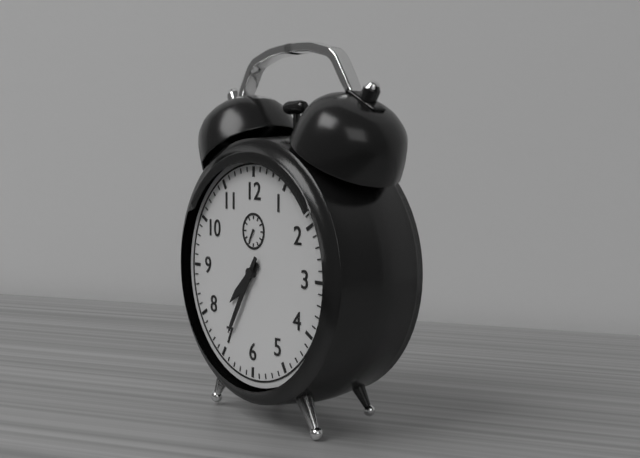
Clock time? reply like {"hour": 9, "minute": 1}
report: {"hour": 7, "minute": 35}
